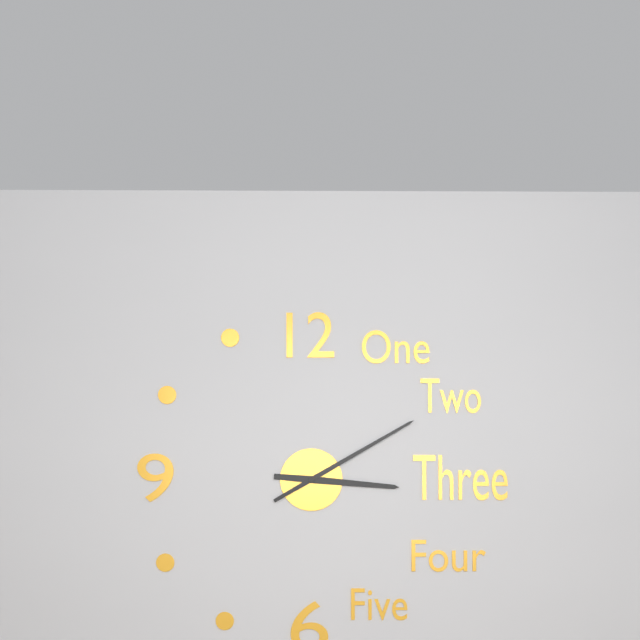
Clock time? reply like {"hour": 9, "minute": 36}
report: {"hour": 3, "minute": 10}
